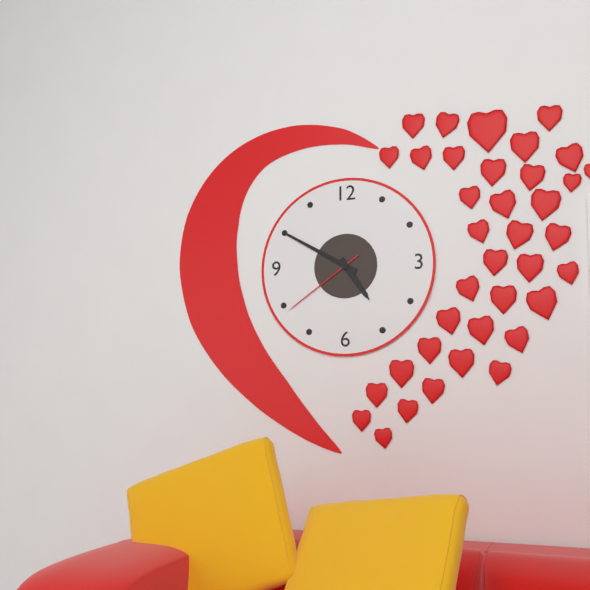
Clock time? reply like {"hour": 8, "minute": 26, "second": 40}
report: {"hour": 4, "minute": 50, "second": 39}
